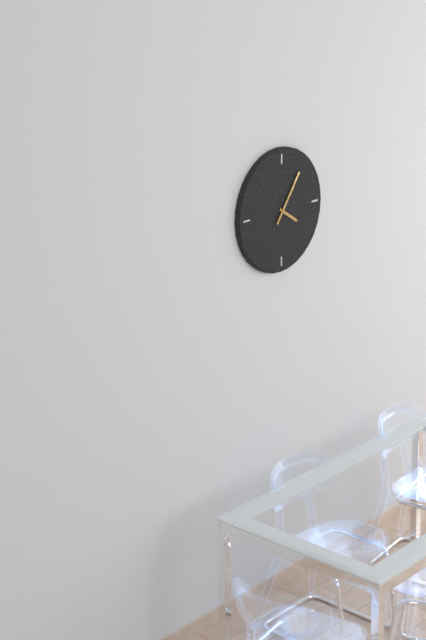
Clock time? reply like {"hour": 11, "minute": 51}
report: {"hour": 4, "minute": 6}
